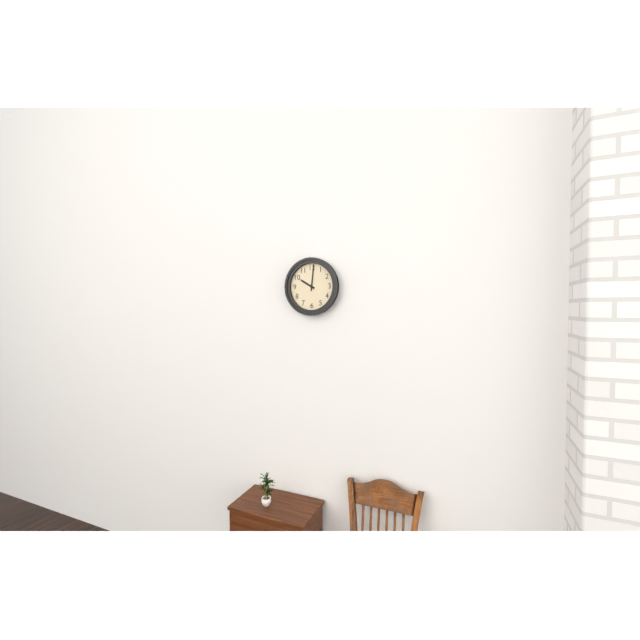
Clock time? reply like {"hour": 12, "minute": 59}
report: {"hour": 10, "minute": 1}
